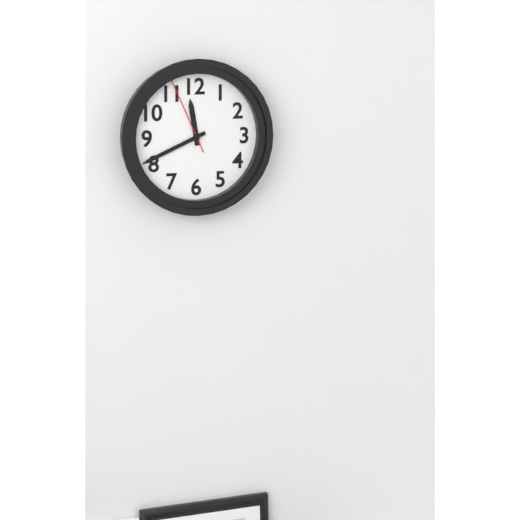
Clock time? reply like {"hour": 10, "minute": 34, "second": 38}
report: {"hour": 11, "minute": 41, "second": 56}
